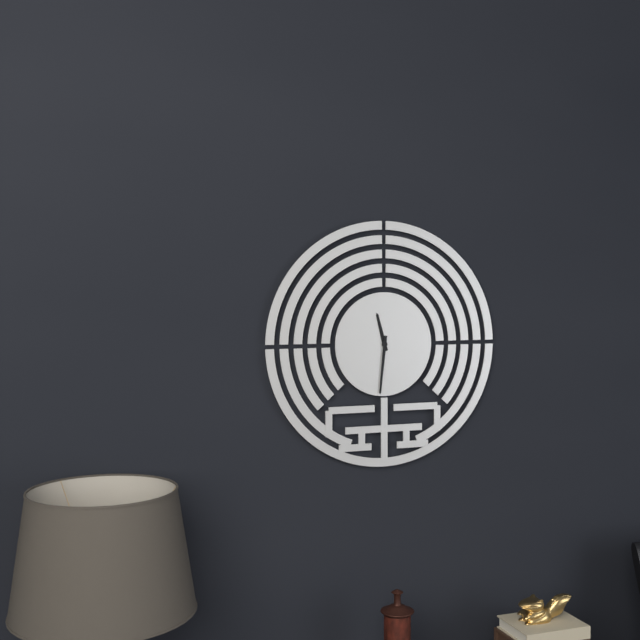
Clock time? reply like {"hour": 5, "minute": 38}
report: {"hour": 11, "minute": 31}
